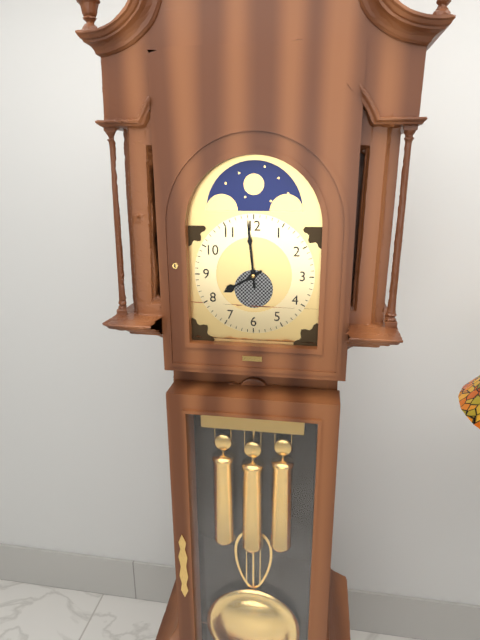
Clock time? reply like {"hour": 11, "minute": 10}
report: {"hour": 7, "minute": 59}
